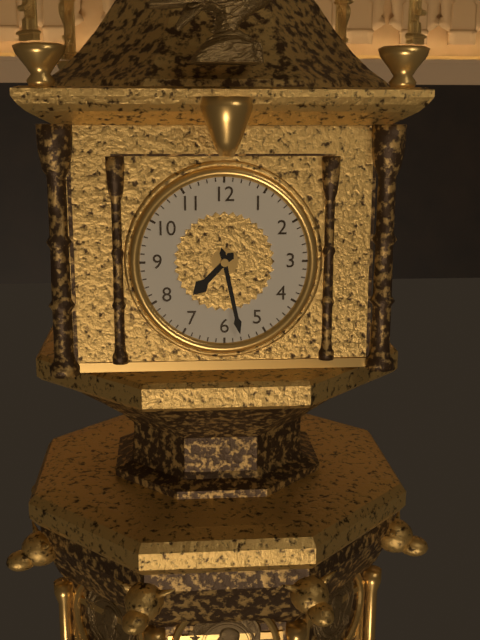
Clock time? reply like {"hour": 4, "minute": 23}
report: {"hour": 7, "minute": 28}
